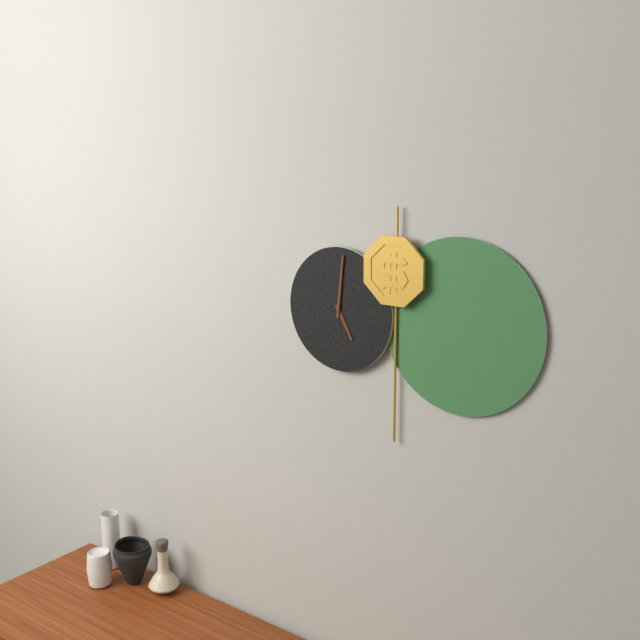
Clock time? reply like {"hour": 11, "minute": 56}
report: {"hour": 5, "minute": 1}
